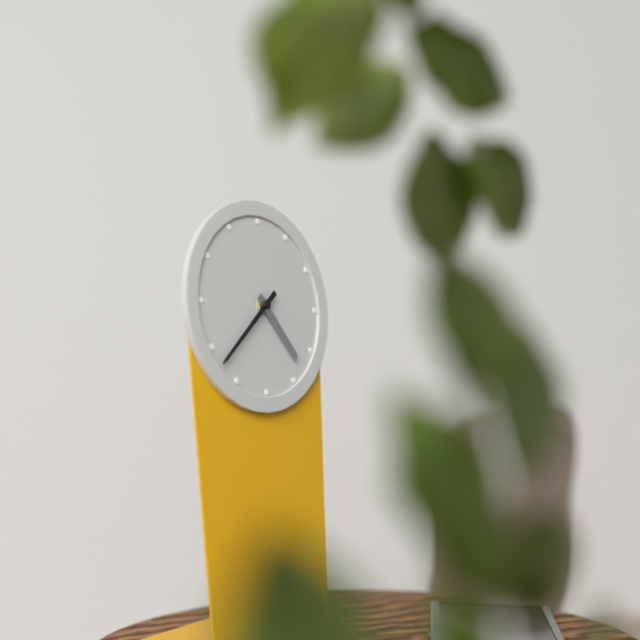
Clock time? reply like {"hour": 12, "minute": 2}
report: {"hour": 4, "minute": 38}
